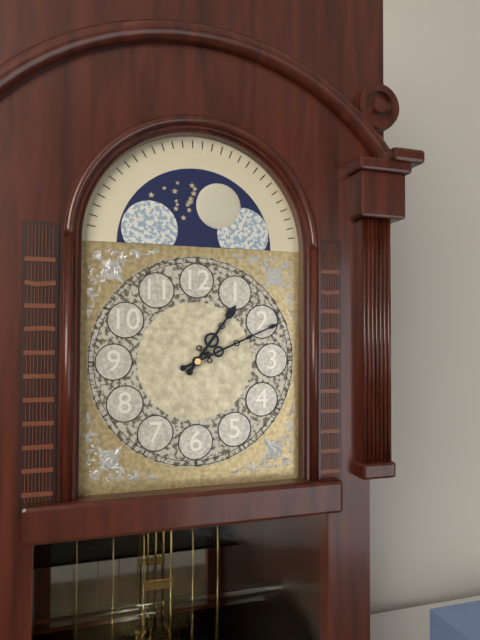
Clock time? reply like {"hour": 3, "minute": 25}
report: {"hour": 1, "minute": 11}
